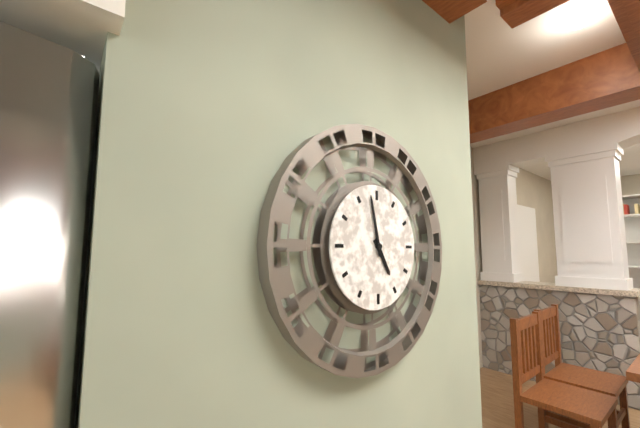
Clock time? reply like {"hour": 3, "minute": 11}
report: {"hour": 4, "minute": 58}
